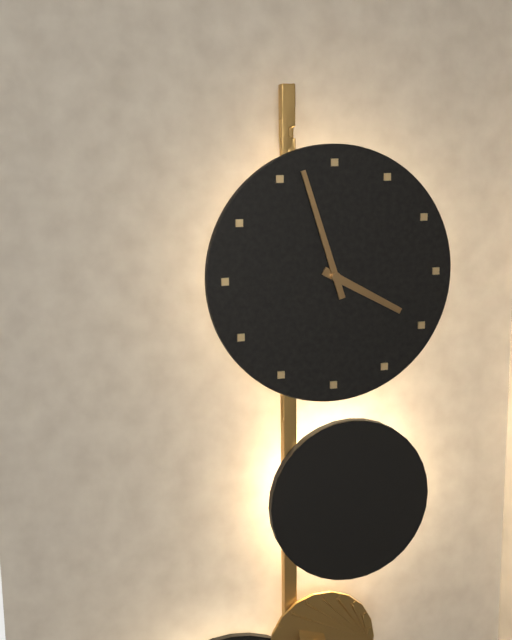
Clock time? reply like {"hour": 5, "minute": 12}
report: {"hour": 3, "minute": 57}
